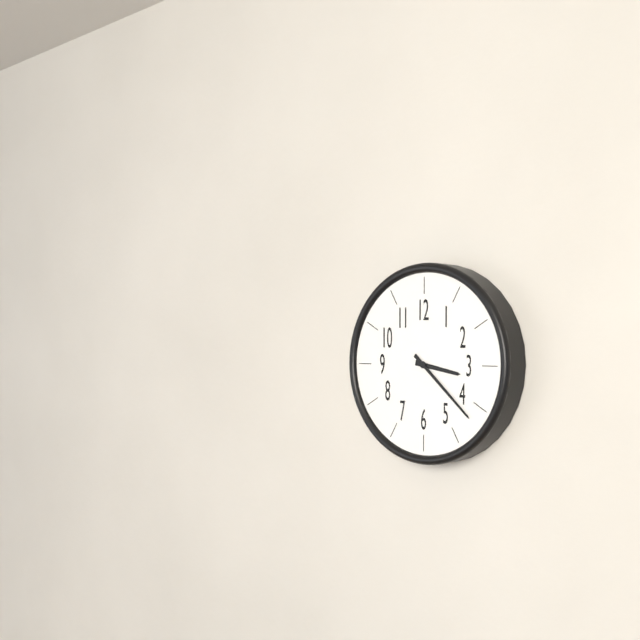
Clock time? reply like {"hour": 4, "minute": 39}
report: {"hour": 3, "minute": 22}
